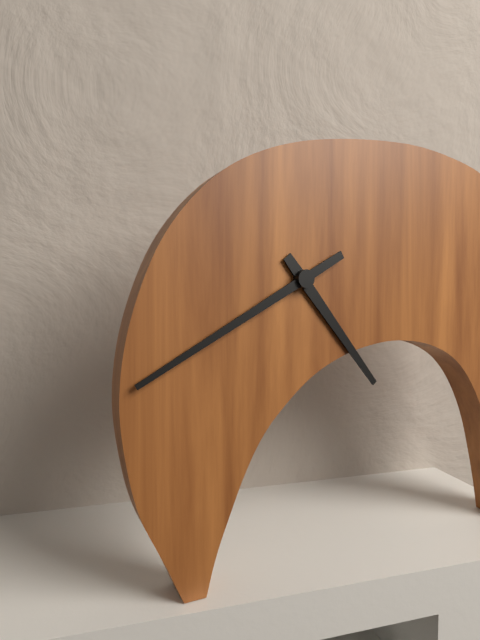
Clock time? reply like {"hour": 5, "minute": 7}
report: {"hour": 4, "minute": 40}
